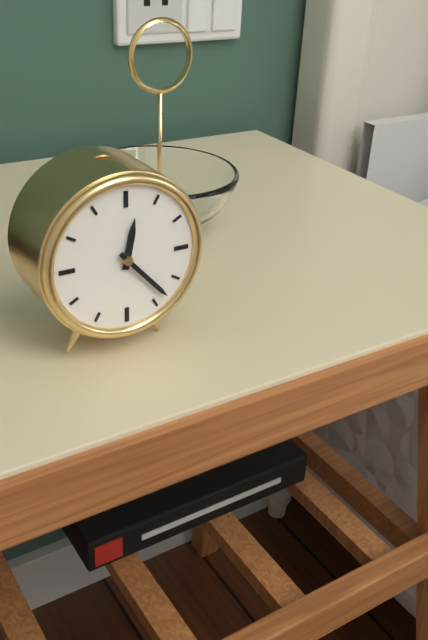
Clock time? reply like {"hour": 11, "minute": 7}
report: {"hour": 12, "minute": 23}
